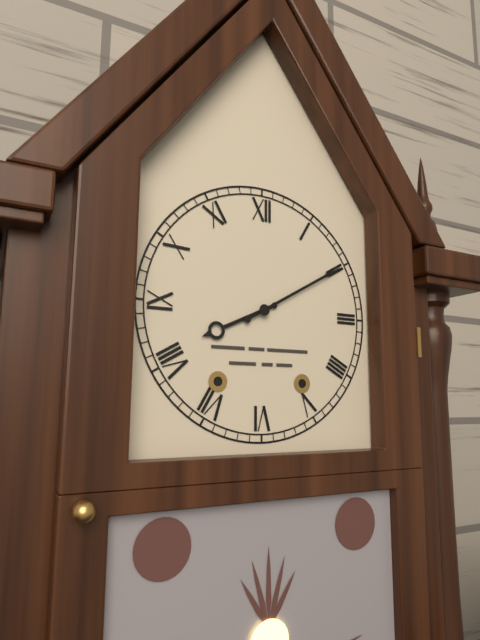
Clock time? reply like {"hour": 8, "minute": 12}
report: {"hour": 8, "minute": 10}
